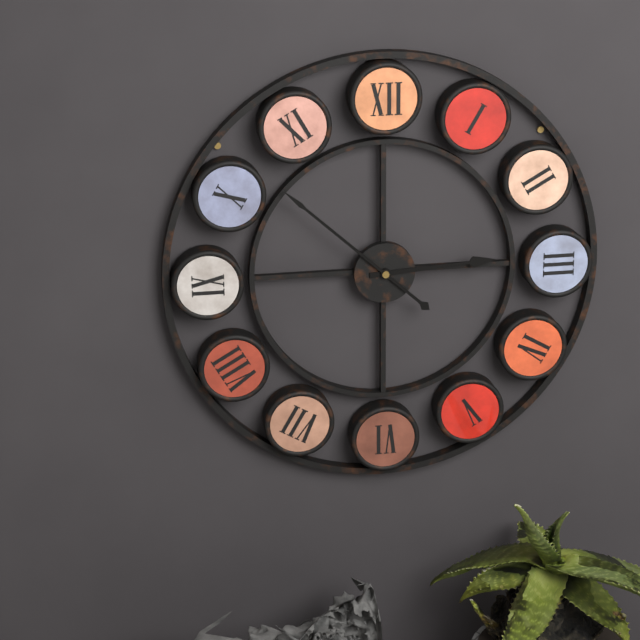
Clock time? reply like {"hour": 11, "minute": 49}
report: {"hour": 2, "minute": 52}
